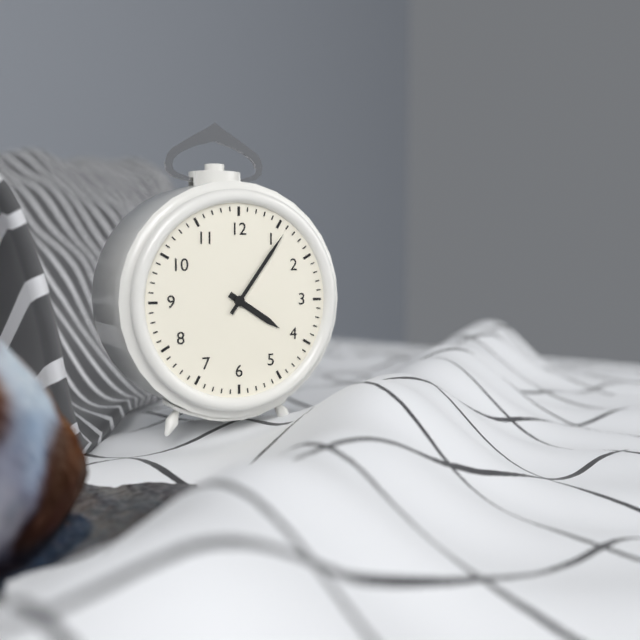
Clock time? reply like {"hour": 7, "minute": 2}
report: {"hour": 4, "minute": 6}
